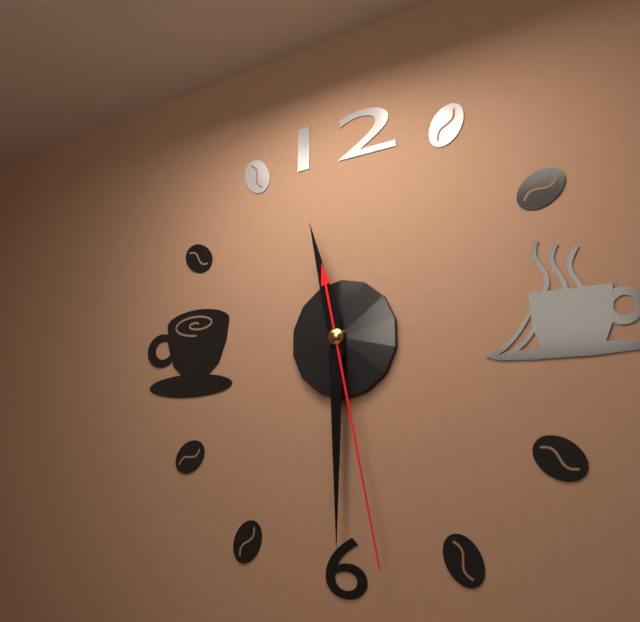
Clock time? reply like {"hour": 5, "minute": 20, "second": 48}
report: {"hour": 11, "minute": 30, "second": 28}
